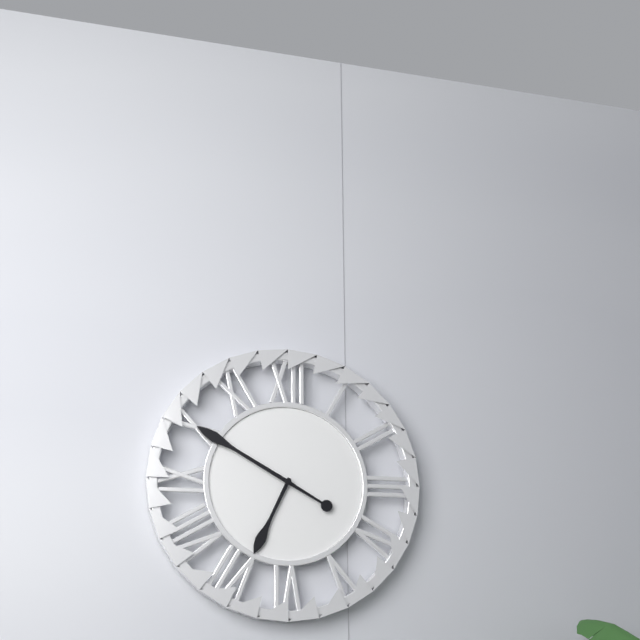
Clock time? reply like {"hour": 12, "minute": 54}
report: {"hour": 6, "minute": 50}
